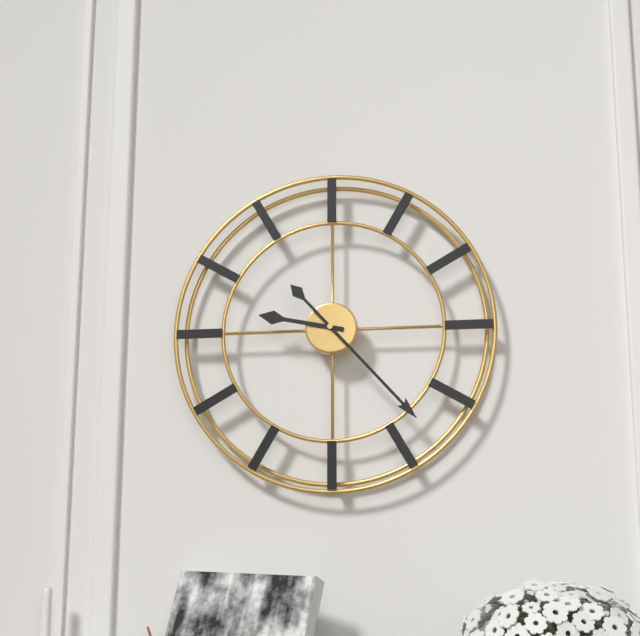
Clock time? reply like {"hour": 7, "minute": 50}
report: {"hour": 9, "minute": 23}
